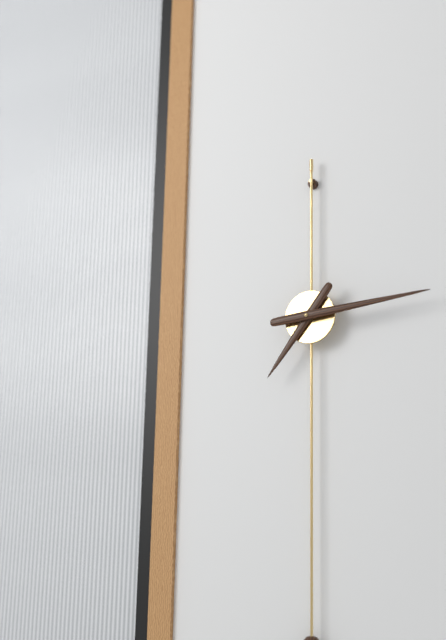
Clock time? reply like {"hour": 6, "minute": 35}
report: {"hour": 7, "minute": 14}
